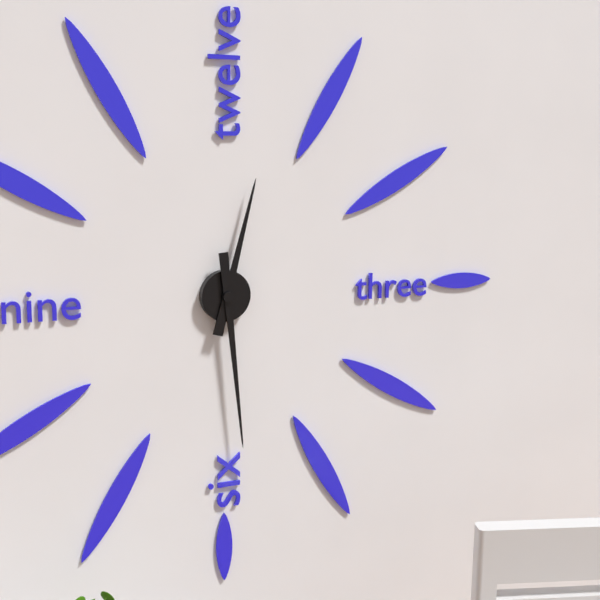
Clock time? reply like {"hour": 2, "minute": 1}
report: {"hour": 12, "minute": 29}
